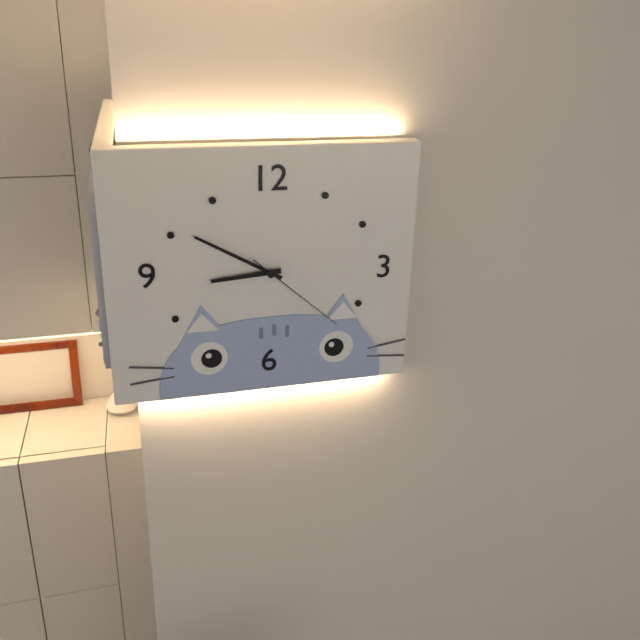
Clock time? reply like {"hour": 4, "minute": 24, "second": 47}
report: {"hour": 8, "minute": 50, "second": 22}
